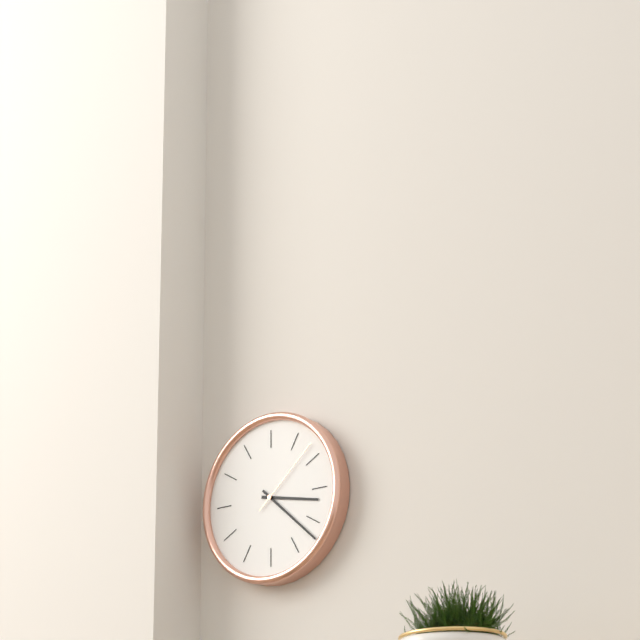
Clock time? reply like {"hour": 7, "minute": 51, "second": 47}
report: {"hour": 3, "minute": 22, "second": 8}
